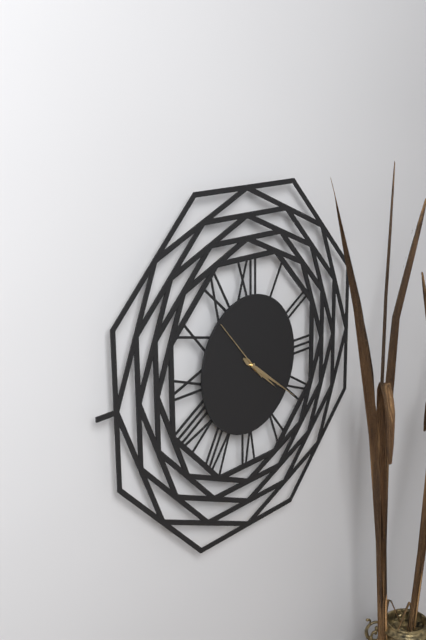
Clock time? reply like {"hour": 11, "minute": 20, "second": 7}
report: {"hour": 4, "minute": 21, "second": 53}
